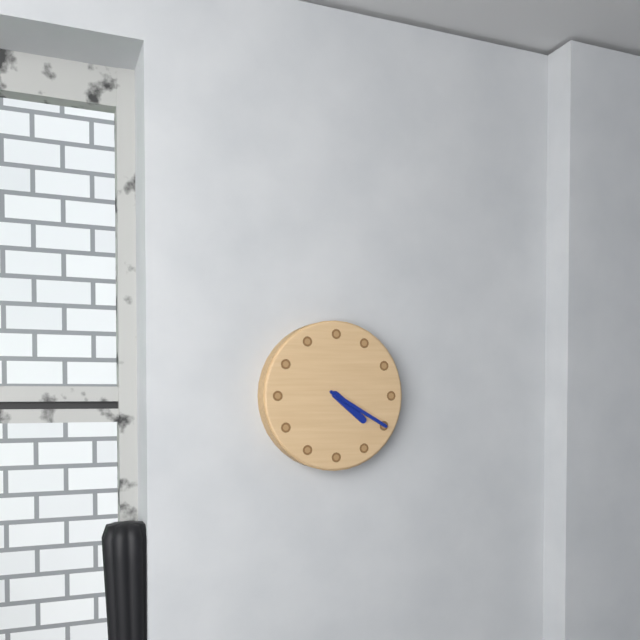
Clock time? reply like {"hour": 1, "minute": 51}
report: {"hour": 4, "minute": 20}
